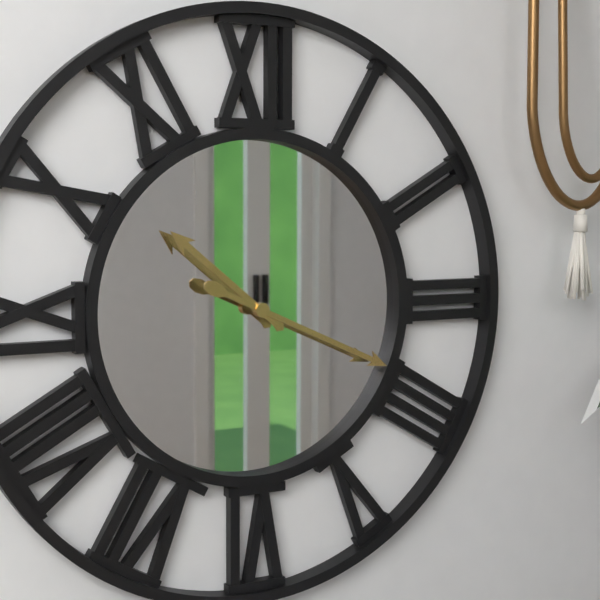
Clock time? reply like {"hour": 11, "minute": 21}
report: {"hour": 10, "minute": 19}
